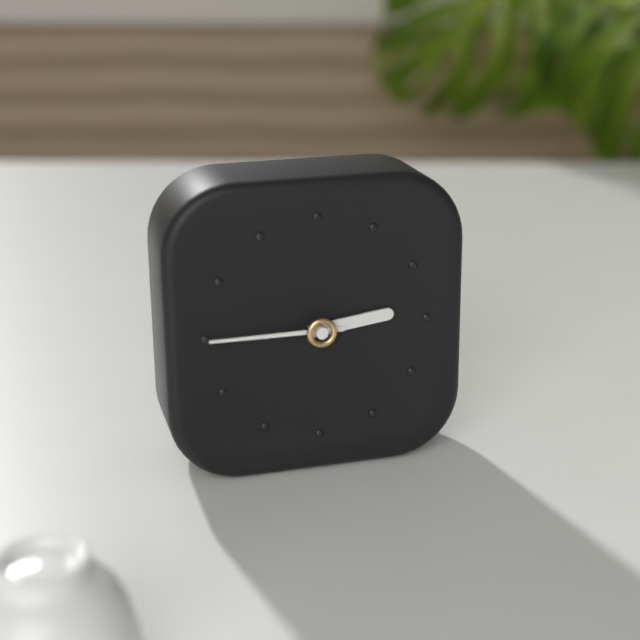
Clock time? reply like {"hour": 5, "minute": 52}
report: {"hour": 2, "minute": 45}
